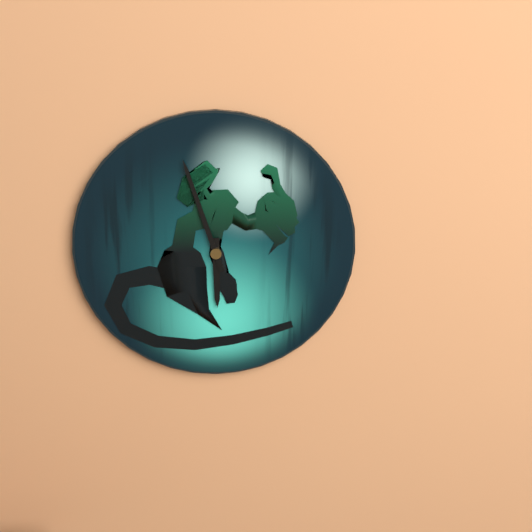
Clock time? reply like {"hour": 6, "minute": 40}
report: {"hour": 5, "minute": 57}
